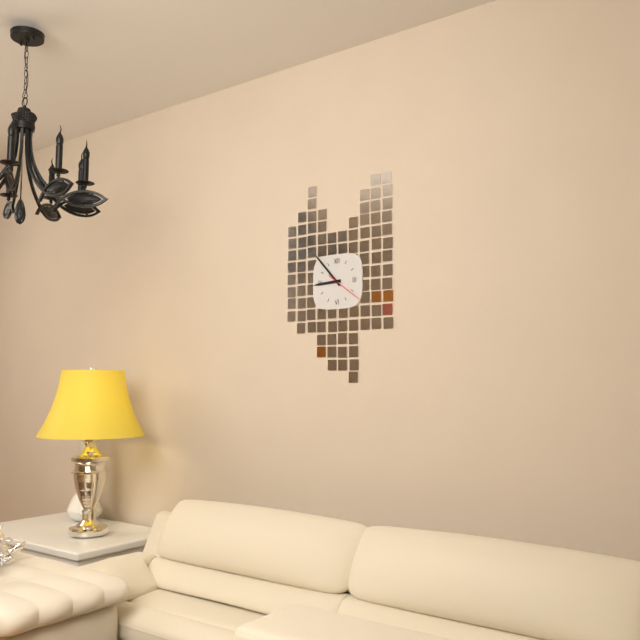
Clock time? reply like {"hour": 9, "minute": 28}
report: {"hour": 8, "minute": 53}
